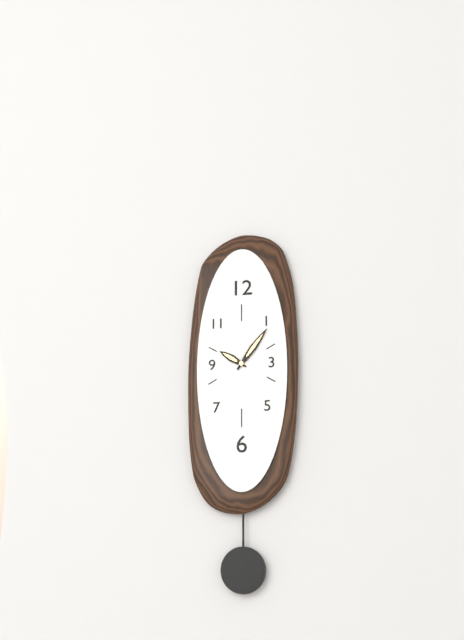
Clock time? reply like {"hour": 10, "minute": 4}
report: {"hour": 10, "minute": 6}
